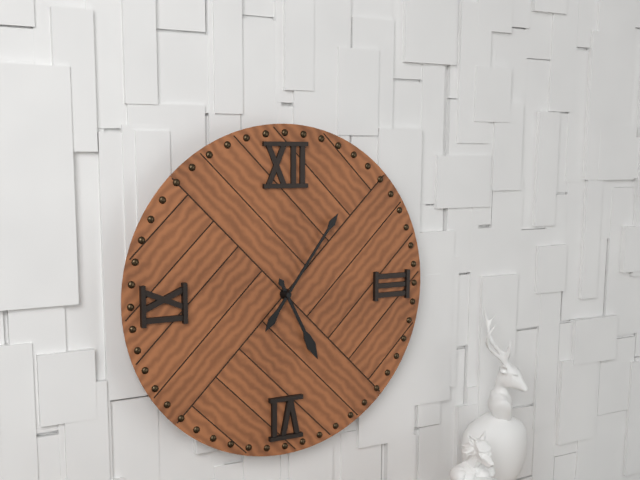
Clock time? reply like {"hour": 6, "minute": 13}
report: {"hour": 5, "minute": 6}
